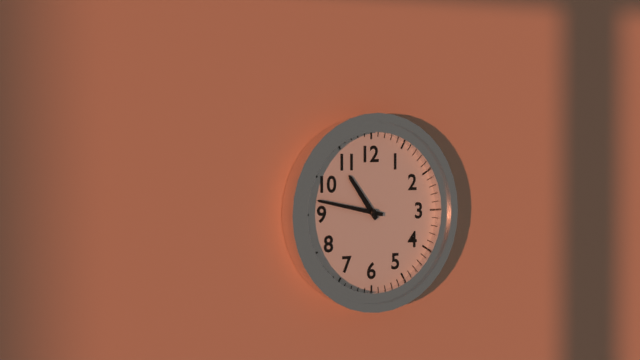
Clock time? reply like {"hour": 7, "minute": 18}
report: {"hour": 10, "minute": 47}
